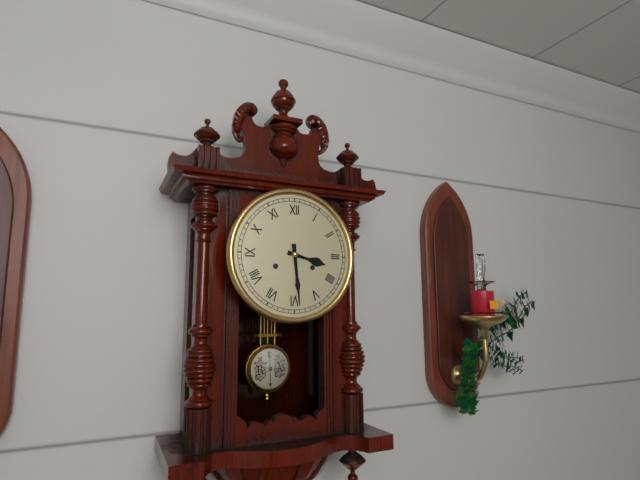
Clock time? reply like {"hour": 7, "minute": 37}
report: {"hour": 3, "minute": 29}
